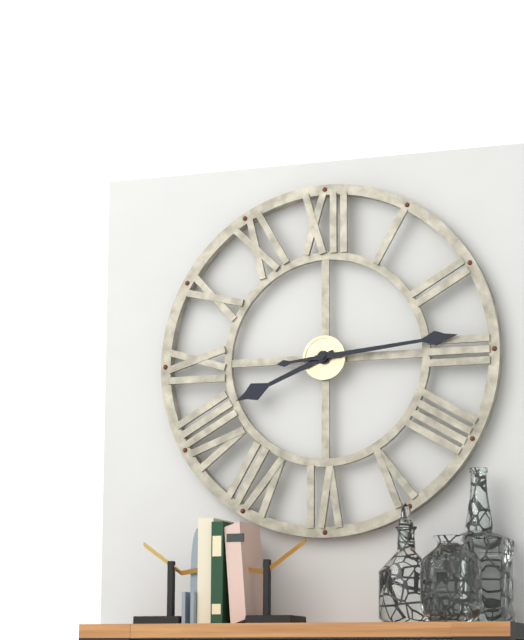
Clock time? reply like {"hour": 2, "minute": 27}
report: {"hour": 8, "minute": 14}
